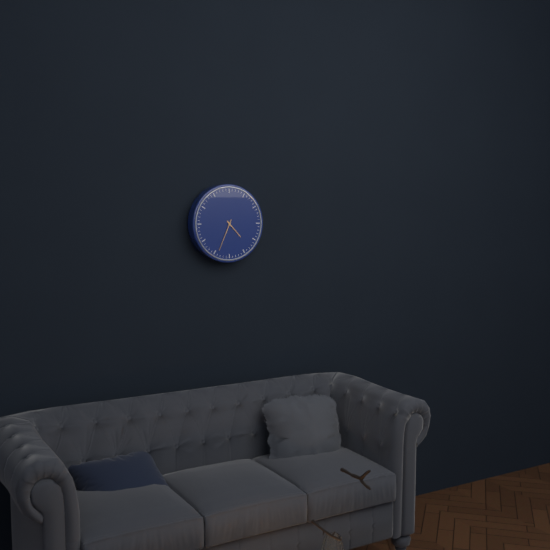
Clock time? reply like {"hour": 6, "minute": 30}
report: {"hour": 4, "minute": 34}
